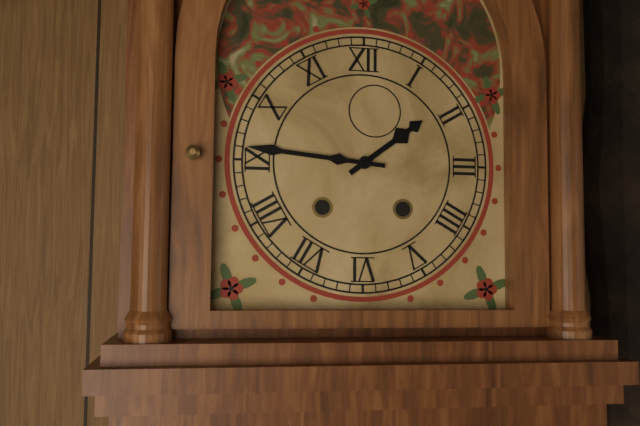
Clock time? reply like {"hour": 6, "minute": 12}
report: {"hour": 1, "minute": 46}
